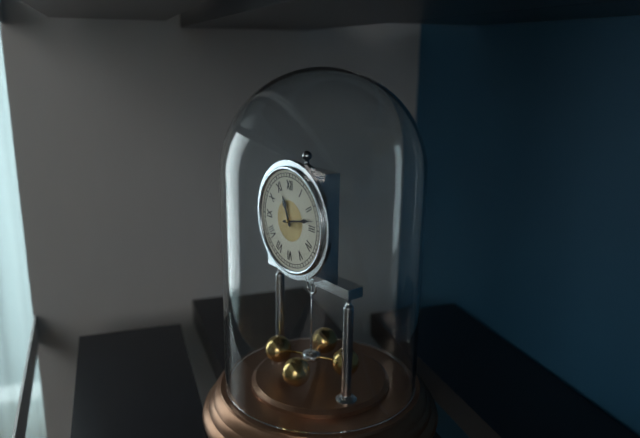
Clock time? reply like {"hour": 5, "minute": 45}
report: {"hour": 11, "minute": 13}
